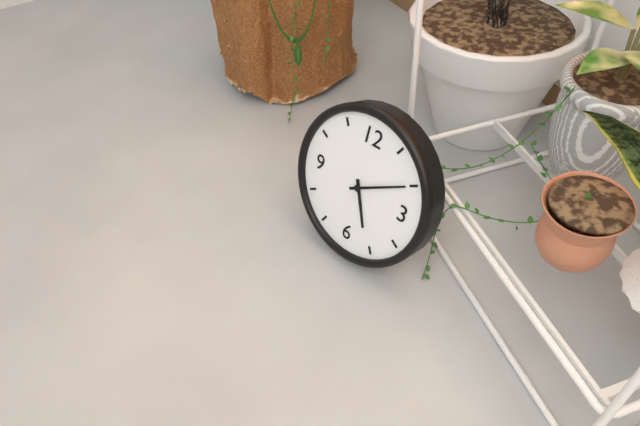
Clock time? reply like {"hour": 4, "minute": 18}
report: {"hour": 5, "minute": 10}
